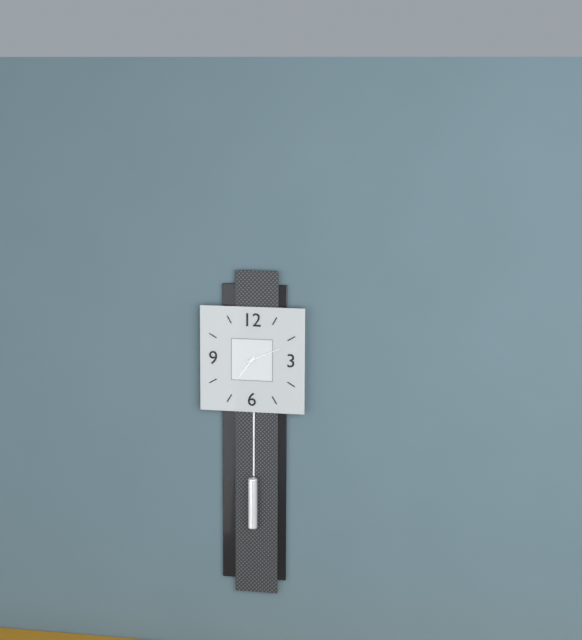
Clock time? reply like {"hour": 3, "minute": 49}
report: {"hour": 7, "minute": 11}
